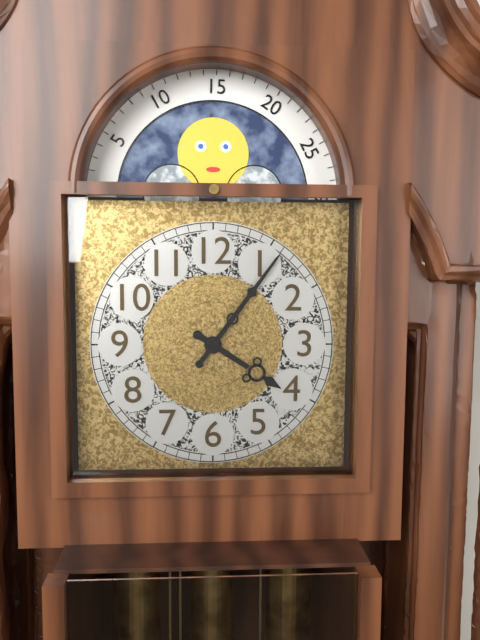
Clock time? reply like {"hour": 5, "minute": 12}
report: {"hour": 4, "minute": 6}
